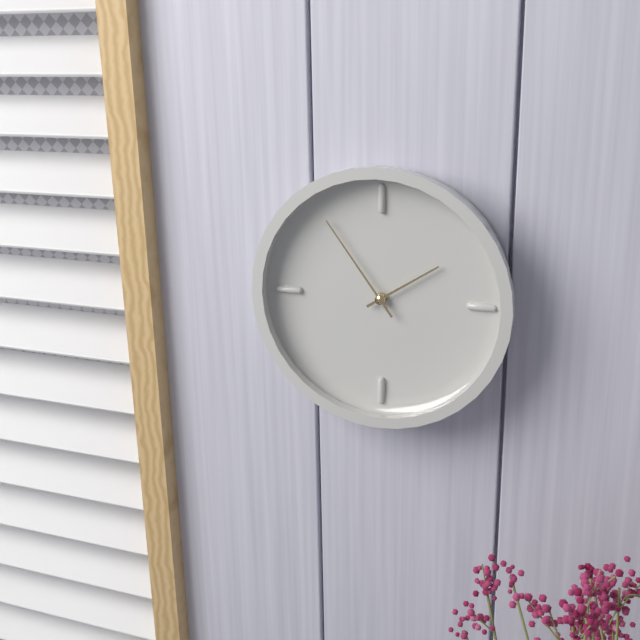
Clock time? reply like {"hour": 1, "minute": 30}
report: {"hour": 1, "minute": 54}
